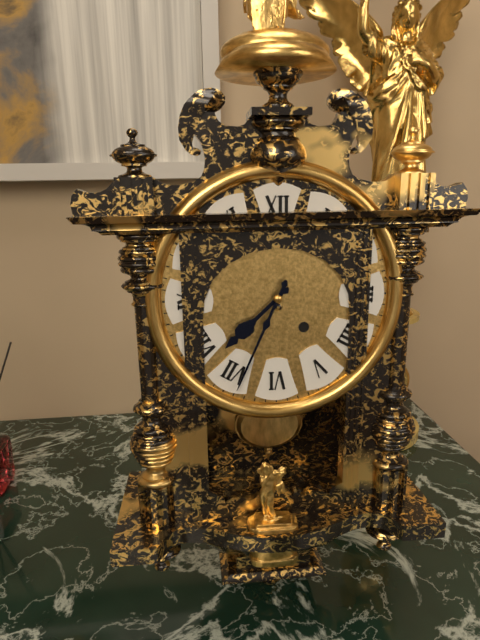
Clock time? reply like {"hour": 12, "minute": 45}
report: {"hour": 7, "minute": 34}
